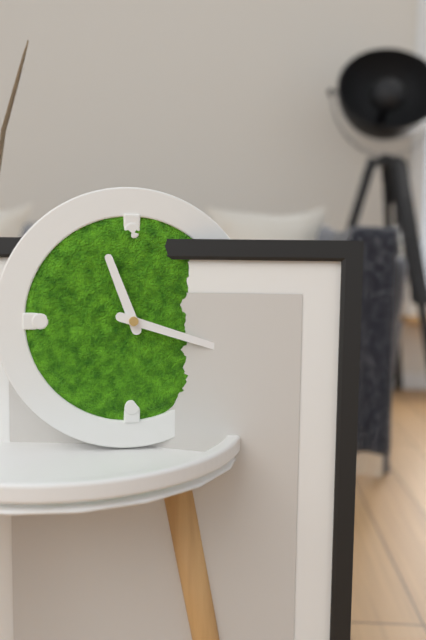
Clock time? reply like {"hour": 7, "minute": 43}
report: {"hour": 11, "minute": 18}
